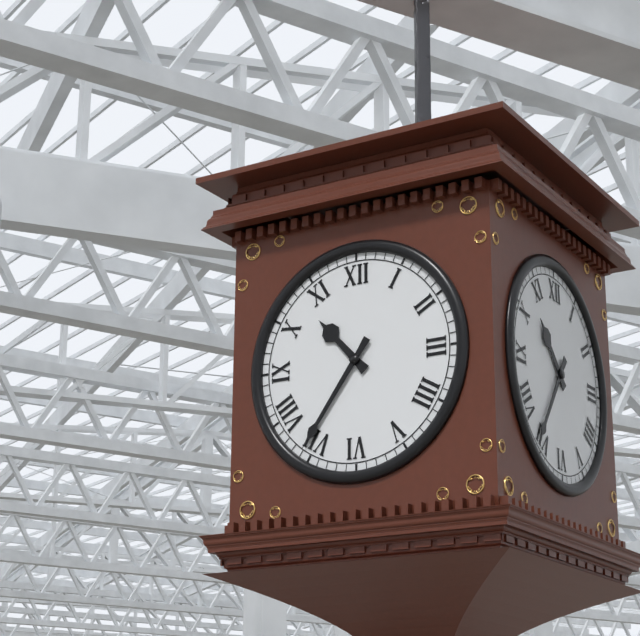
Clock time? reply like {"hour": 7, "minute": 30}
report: {"hour": 10, "minute": 36}
